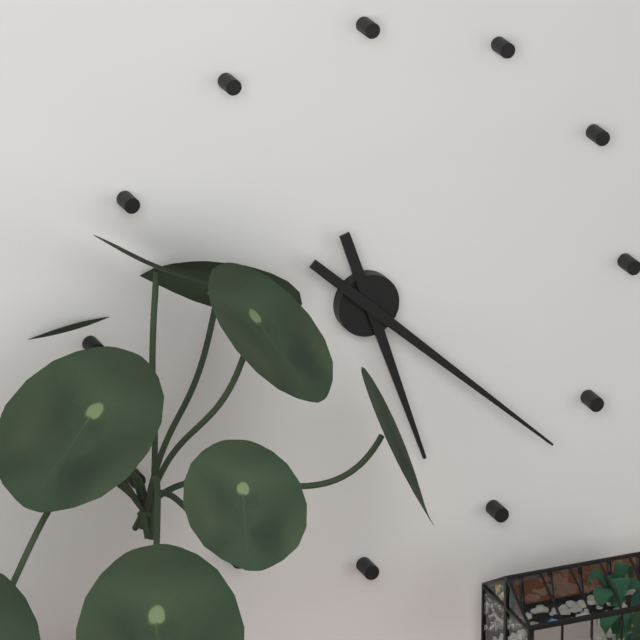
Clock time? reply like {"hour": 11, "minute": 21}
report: {"hour": 5, "minute": 22}
